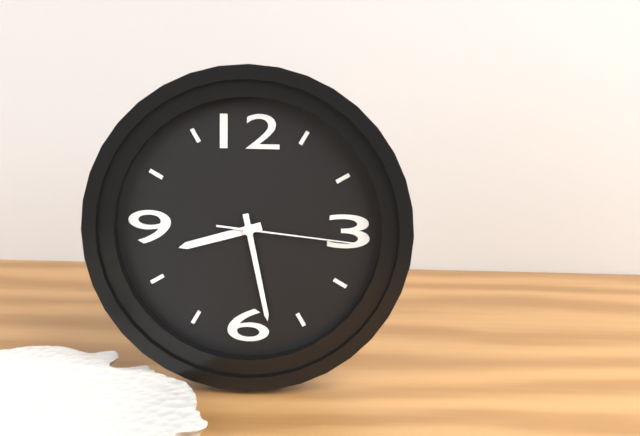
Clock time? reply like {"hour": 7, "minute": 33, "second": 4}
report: {"hour": 8, "minute": 28, "second": 16}
